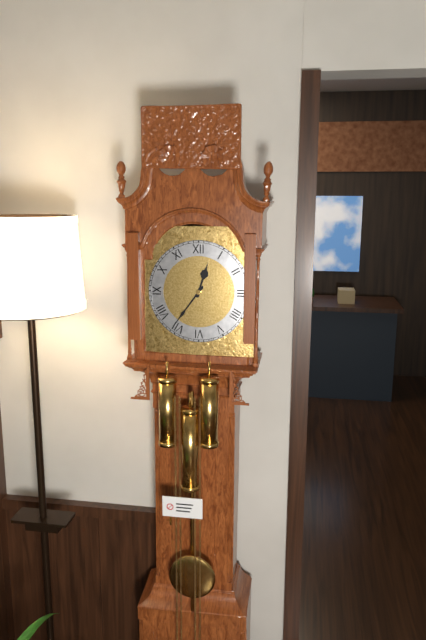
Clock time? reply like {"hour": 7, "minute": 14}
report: {"hour": 12, "minute": 36}
